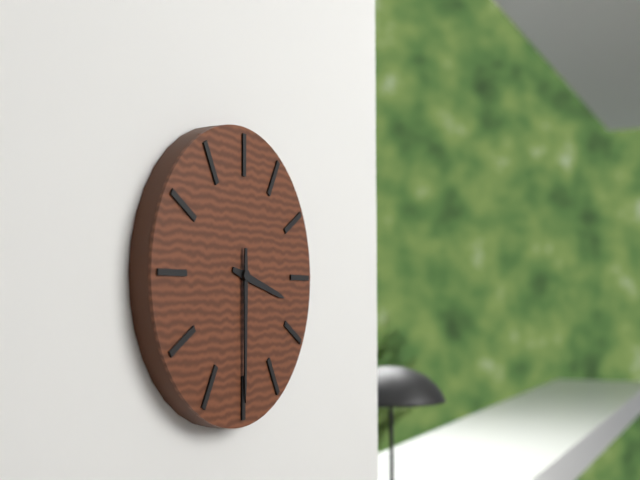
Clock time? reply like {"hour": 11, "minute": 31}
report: {"hour": 3, "minute": 30}
